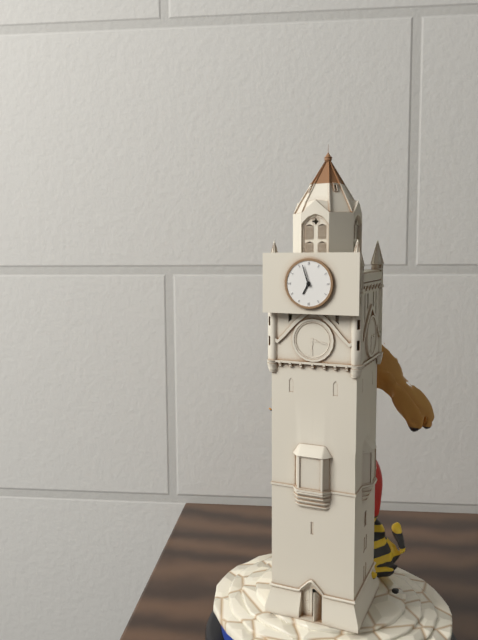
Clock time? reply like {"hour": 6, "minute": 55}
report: {"hour": 6, "minute": 57}
